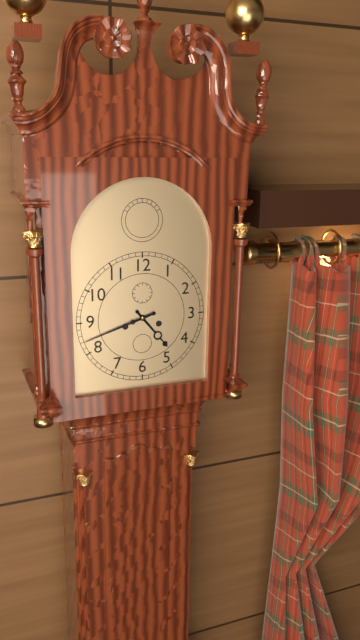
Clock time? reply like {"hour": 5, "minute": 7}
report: {"hour": 4, "minute": 42}
